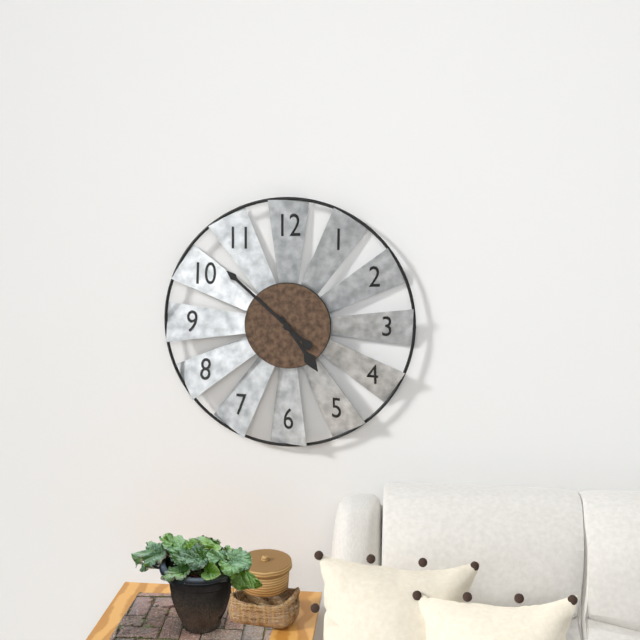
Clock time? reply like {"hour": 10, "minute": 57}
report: {"hour": 4, "minute": 52}
